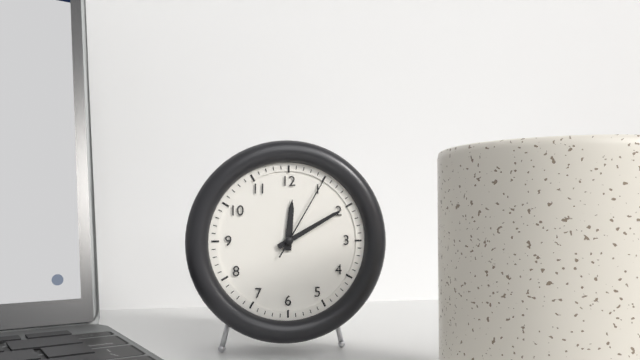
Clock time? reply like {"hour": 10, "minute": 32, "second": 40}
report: {"hour": 12, "minute": 10, "second": 5}
